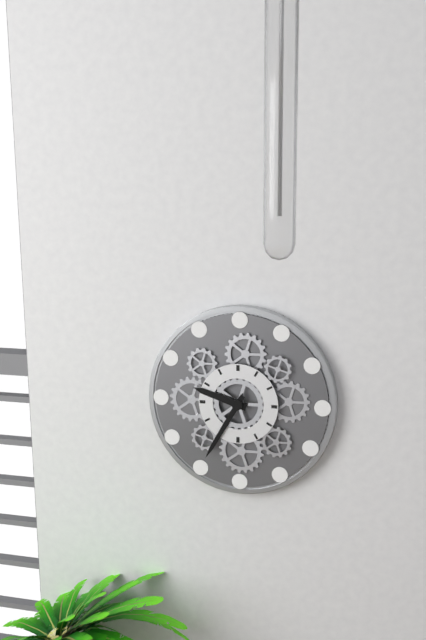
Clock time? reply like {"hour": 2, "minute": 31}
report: {"hour": 9, "minute": 35}
